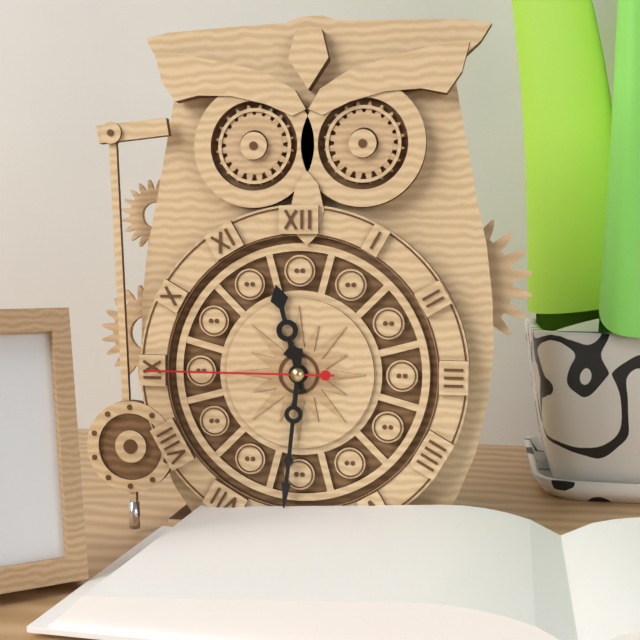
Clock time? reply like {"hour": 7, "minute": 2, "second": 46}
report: {"hour": 11, "minute": 31, "second": 45}
